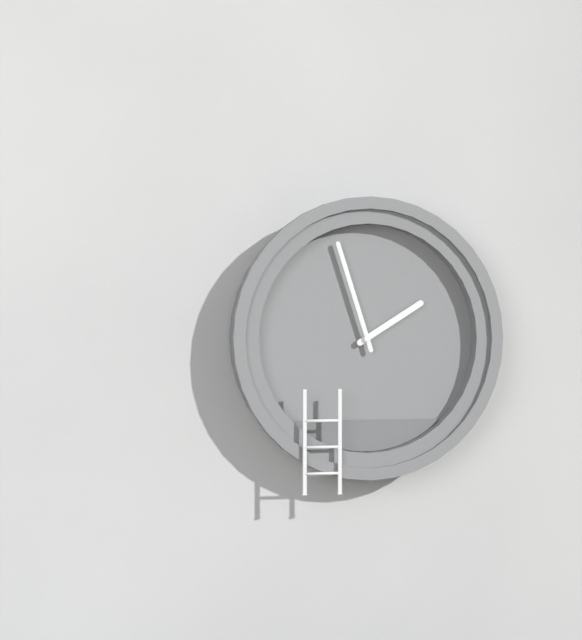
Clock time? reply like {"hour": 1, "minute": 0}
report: {"hour": 1, "minute": 57}
